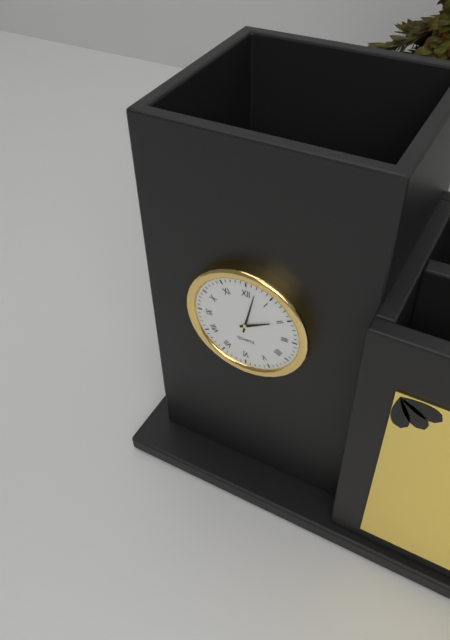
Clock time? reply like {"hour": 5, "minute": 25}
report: {"hour": 2, "minute": 2}
